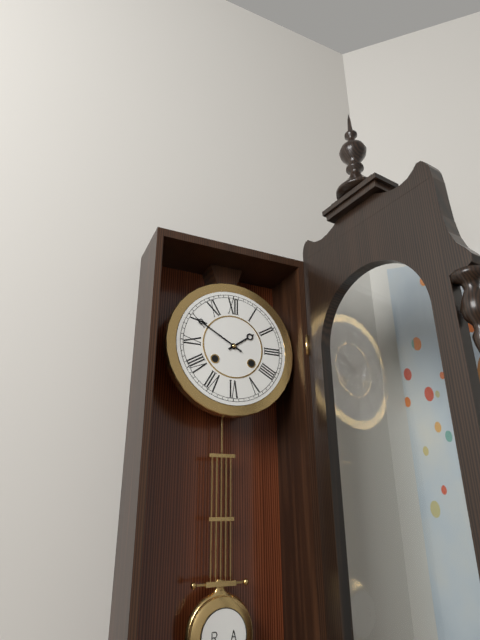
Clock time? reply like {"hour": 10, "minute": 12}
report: {"hour": 1, "minute": 50}
